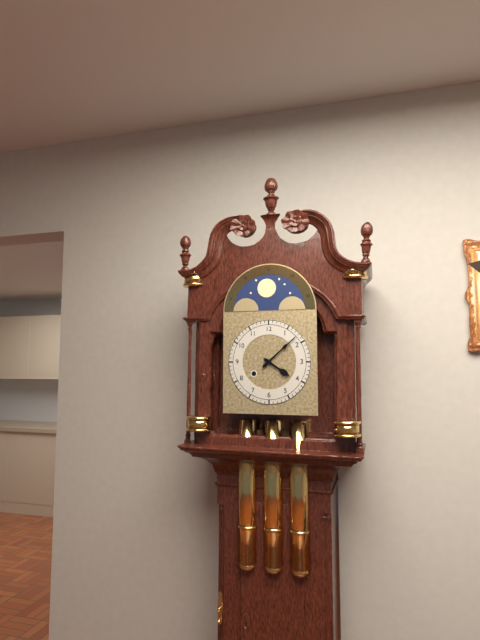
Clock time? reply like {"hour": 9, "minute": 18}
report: {"hour": 4, "minute": 8}
